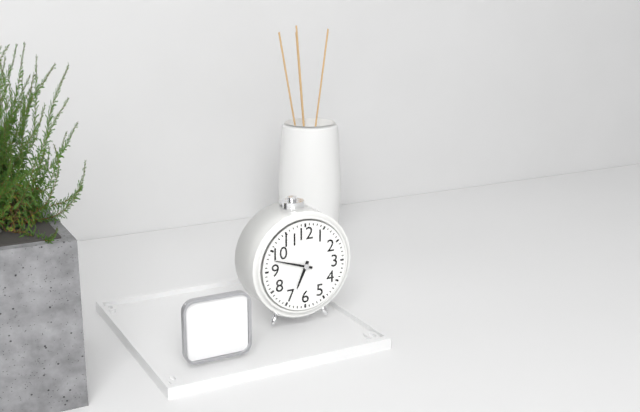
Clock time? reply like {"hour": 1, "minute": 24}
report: {"hour": 6, "minute": 48}
